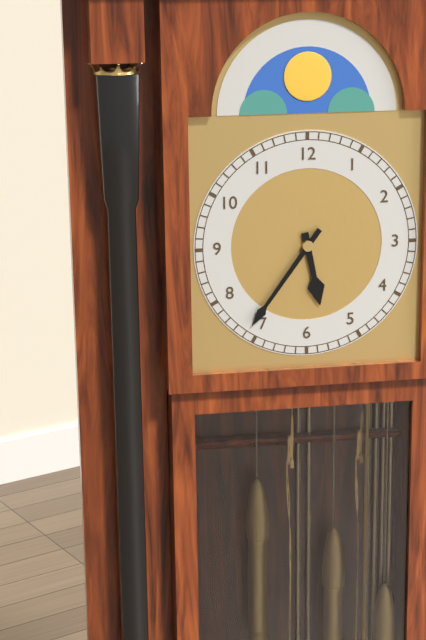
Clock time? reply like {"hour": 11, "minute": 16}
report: {"hour": 5, "minute": 36}
